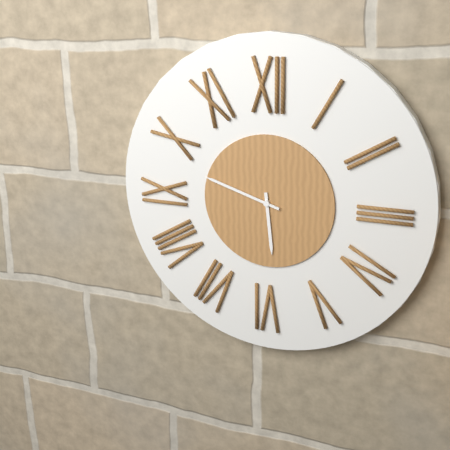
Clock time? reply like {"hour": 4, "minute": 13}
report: {"hour": 5, "minute": 48}
